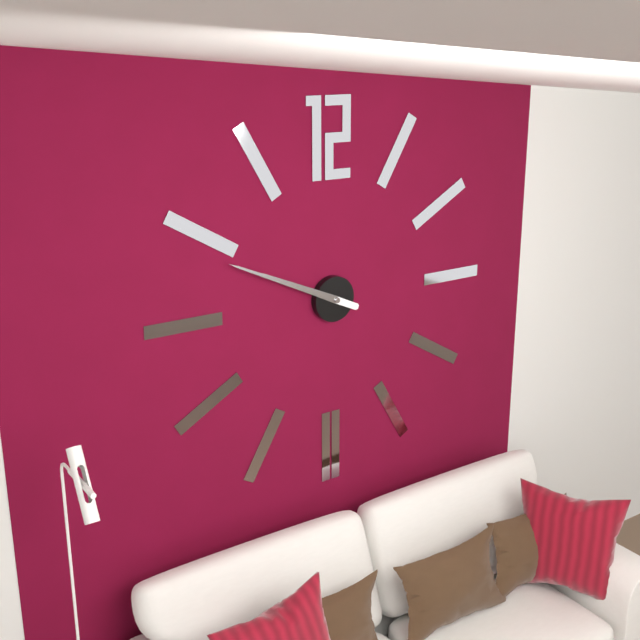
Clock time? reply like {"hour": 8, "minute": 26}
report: {"hour": 9, "minute": 49}
